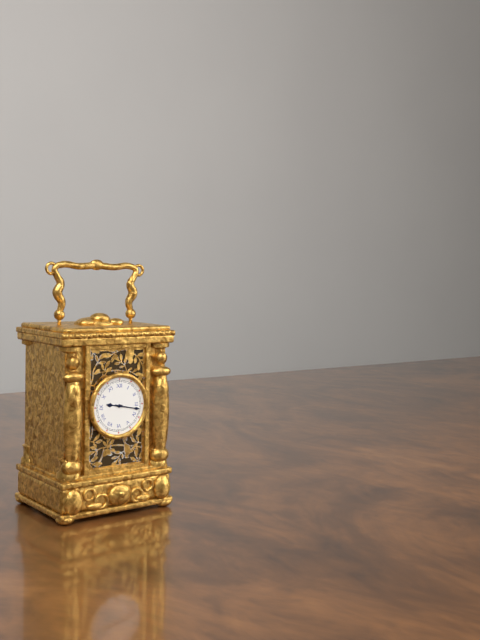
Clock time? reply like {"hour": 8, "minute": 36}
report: {"hour": 9, "minute": 17}
